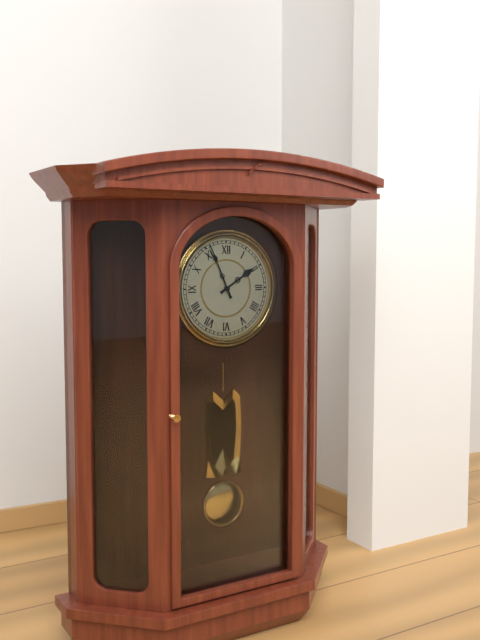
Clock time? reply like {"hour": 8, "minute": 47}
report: {"hour": 1, "minute": 56}
